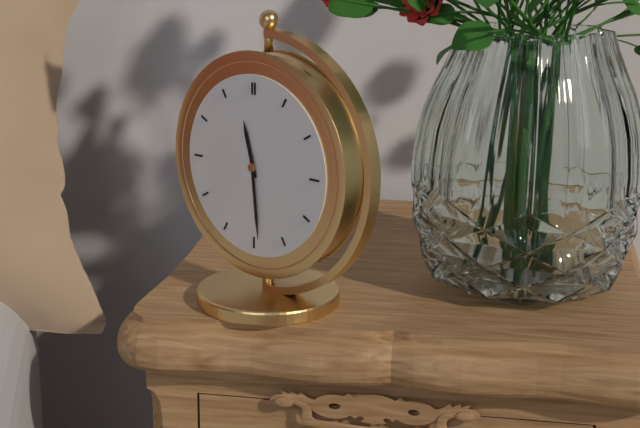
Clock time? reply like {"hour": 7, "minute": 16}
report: {"hour": 11, "minute": 29}
